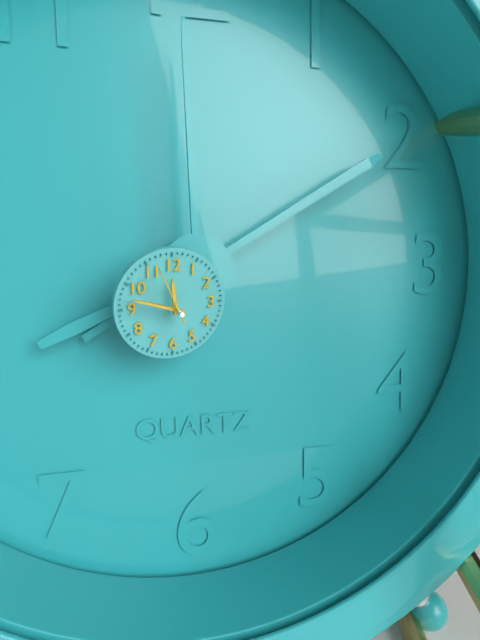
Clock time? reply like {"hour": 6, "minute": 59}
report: {"hour": 11, "minute": 48}
